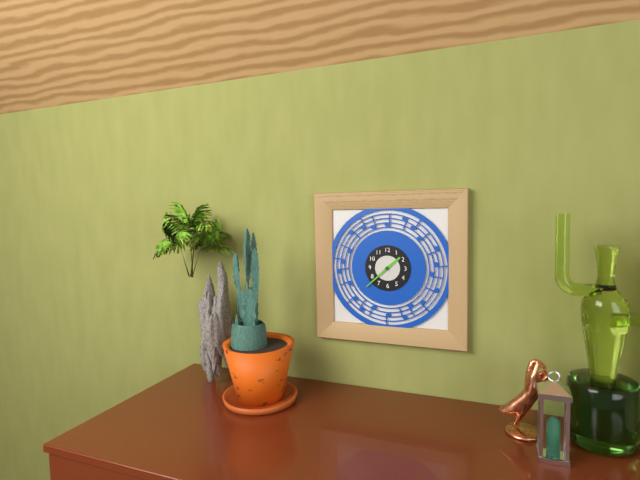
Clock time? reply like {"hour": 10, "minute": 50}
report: {"hour": 1, "minute": 38}
